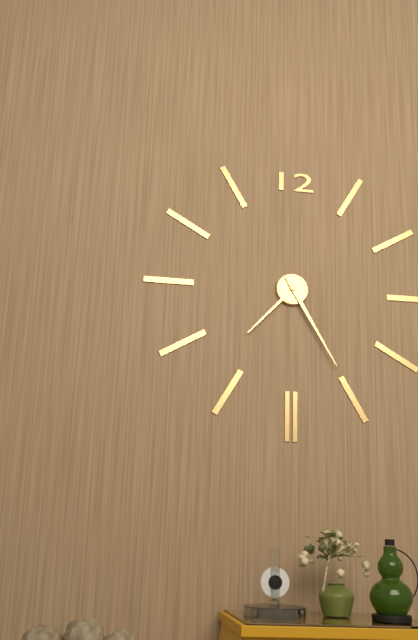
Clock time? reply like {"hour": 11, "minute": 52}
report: {"hour": 7, "minute": 25}
